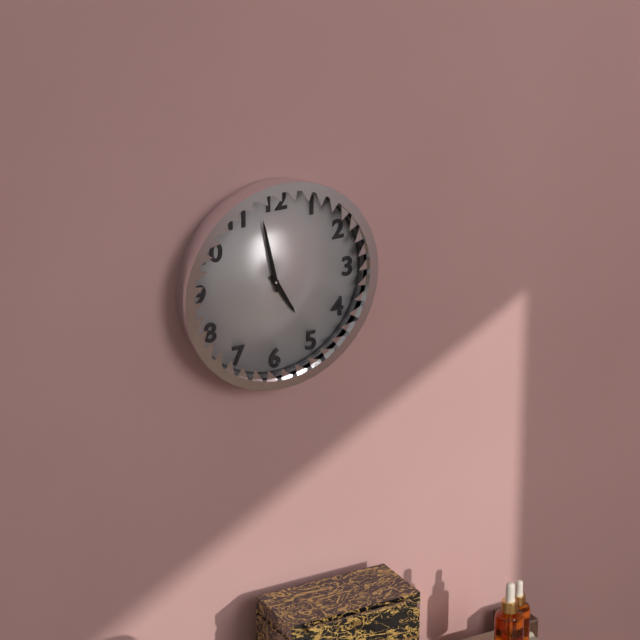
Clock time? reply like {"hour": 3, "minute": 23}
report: {"hour": 4, "minute": 58}
